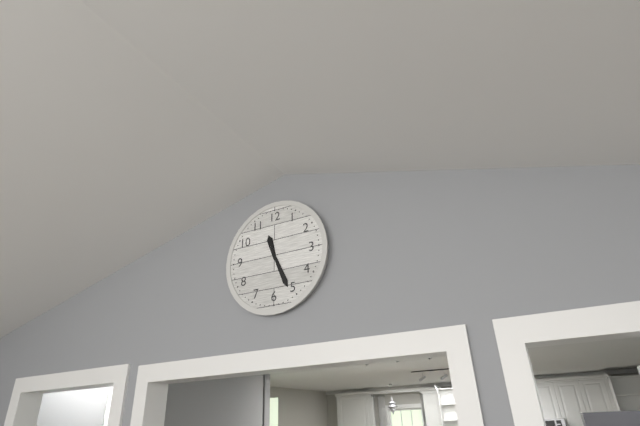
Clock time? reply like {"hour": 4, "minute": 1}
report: {"hour": 11, "minute": 26}
